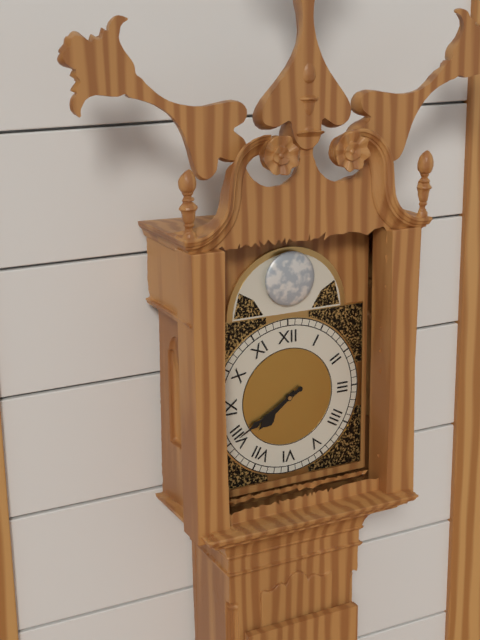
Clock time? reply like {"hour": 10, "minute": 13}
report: {"hour": 7, "minute": 40}
